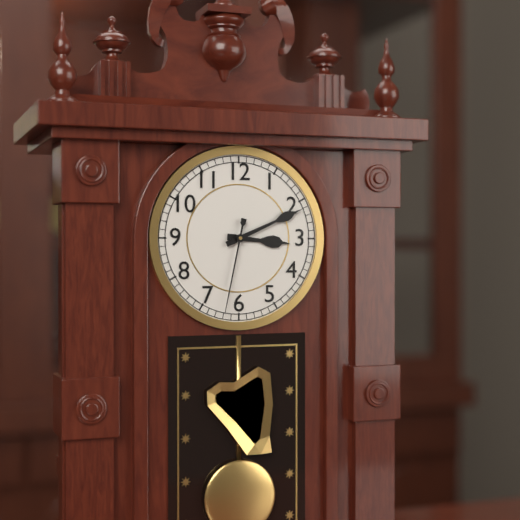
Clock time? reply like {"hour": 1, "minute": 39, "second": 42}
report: {"hour": 3, "minute": 11, "second": 32}
